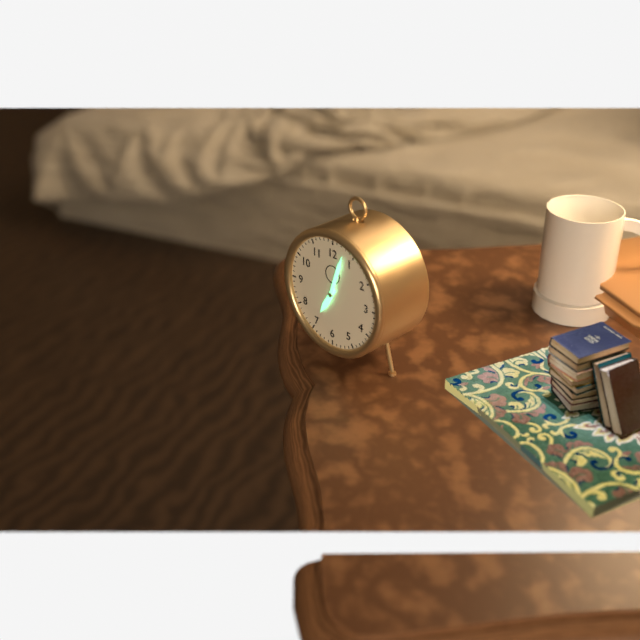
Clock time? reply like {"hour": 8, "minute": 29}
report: {"hour": 7, "minute": 3}
